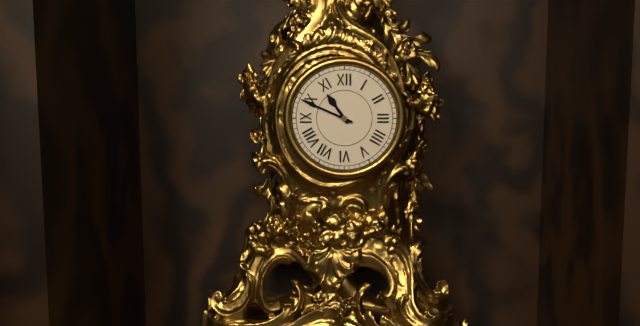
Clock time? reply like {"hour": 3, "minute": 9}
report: {"hour": 10, "minute": 49}
